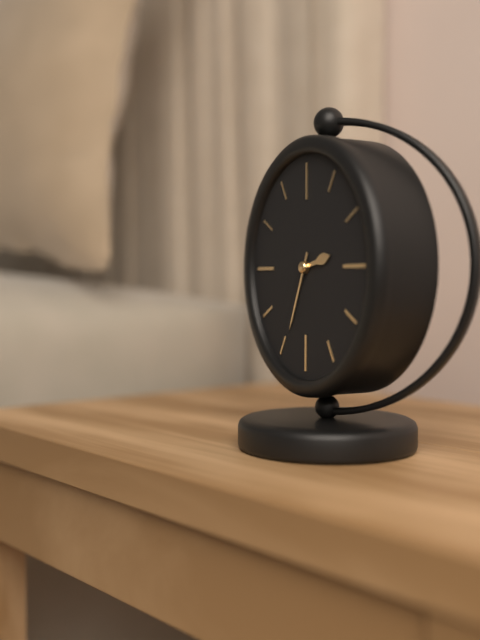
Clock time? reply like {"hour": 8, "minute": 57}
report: {"hour": 2, "minute": 34}
